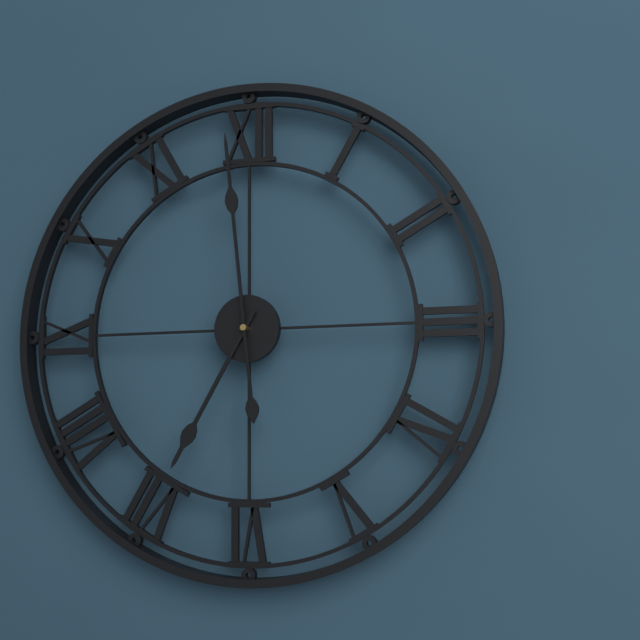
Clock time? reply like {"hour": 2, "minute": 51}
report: {"hour": 6, "minute": 59}
